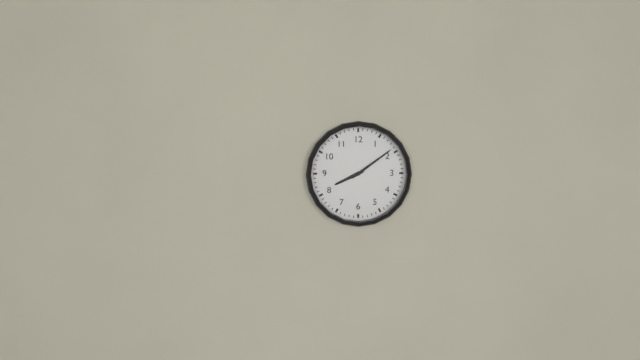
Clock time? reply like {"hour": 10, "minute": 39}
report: {"hour": 8, "minute": 9}
